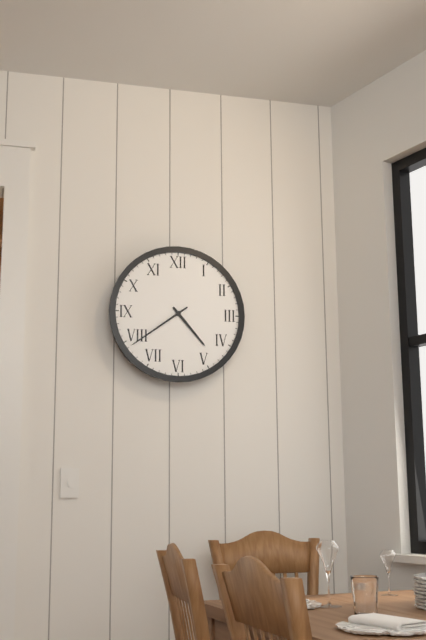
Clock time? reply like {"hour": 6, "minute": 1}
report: {"hour": 4, "minute": 39}
